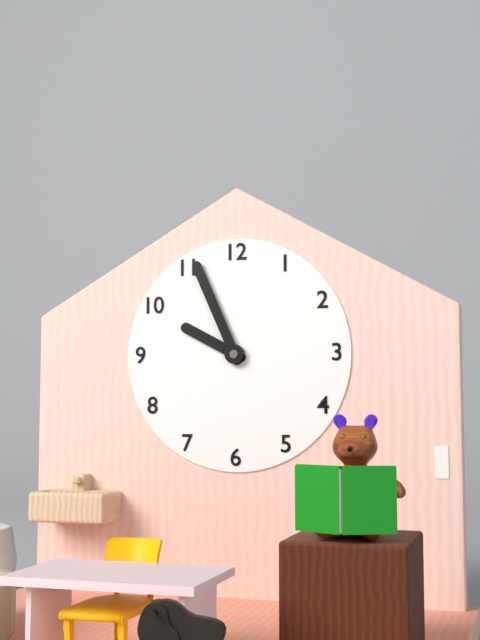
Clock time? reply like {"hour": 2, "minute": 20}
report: {"hour": 9, "minute": 56}
